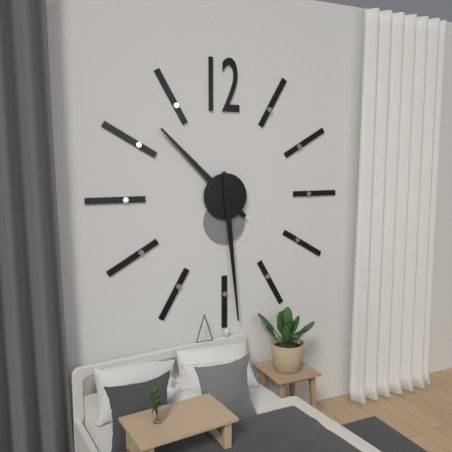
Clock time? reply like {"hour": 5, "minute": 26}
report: {"hour": 10, "minute": 29}
